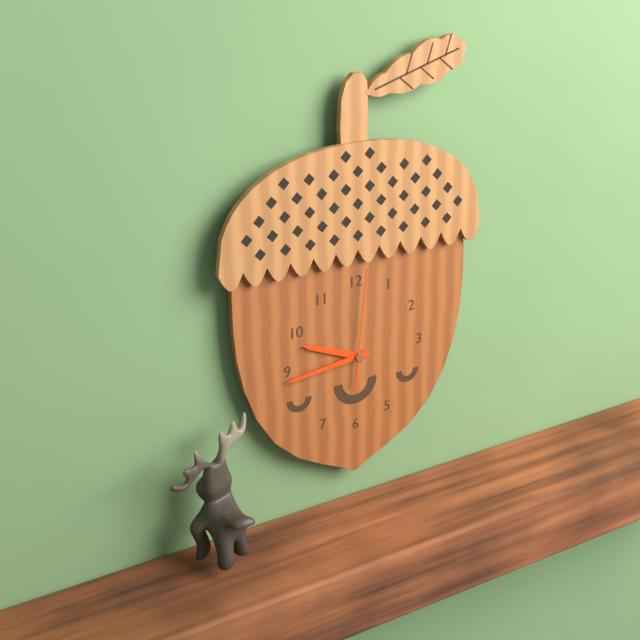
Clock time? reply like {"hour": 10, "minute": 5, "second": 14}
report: {"hour": 9, "minute": 44, "second": 1}
